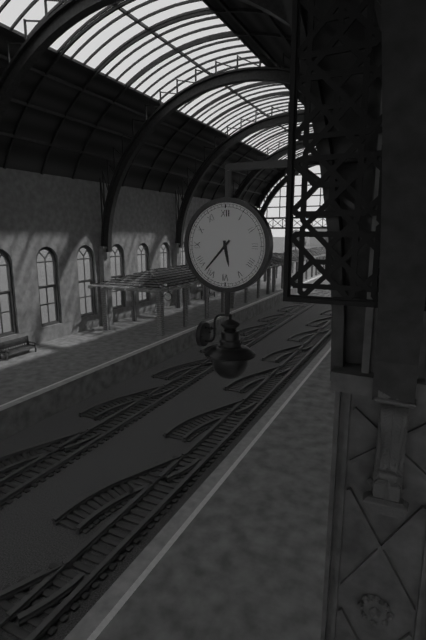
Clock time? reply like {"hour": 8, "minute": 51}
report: {"hour": 5, "minute": 37}
